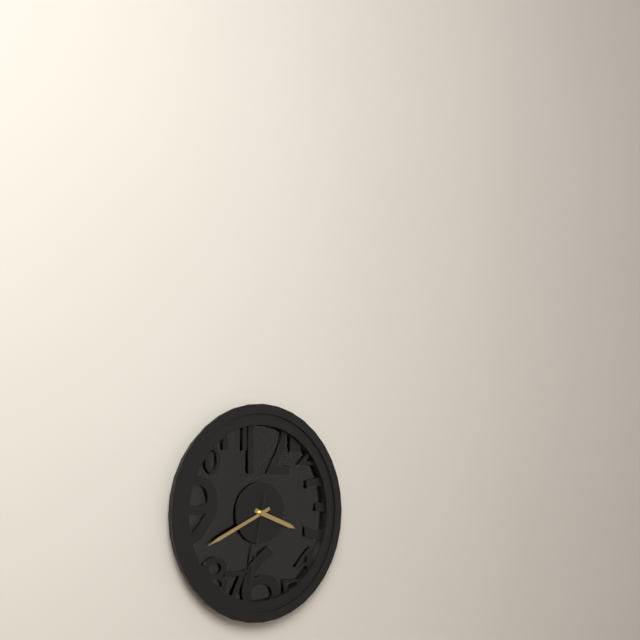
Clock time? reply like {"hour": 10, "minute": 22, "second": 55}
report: {"hour": 3, "minute": 41, "second": 32}
